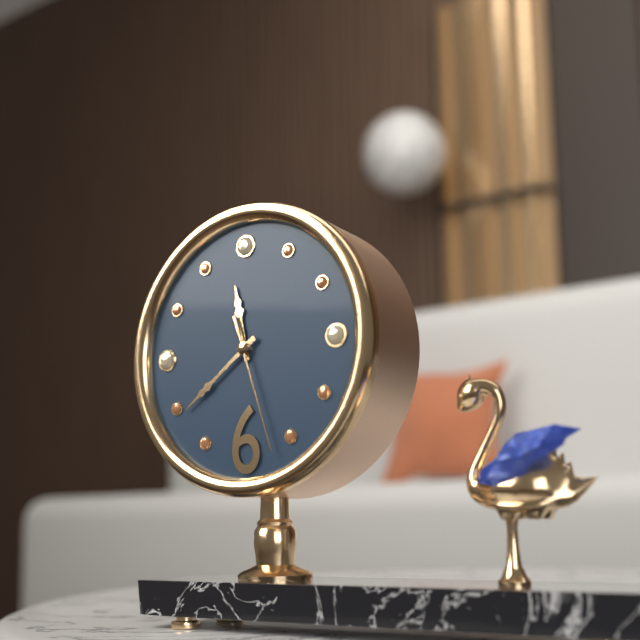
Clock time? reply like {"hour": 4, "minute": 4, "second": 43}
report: {"hour": 11, "minute": 39, "second": 27}
